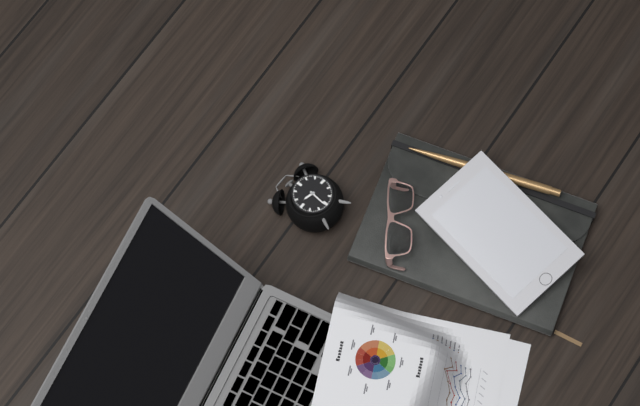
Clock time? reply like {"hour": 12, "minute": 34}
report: {"hour": 9, "minute": 31}
